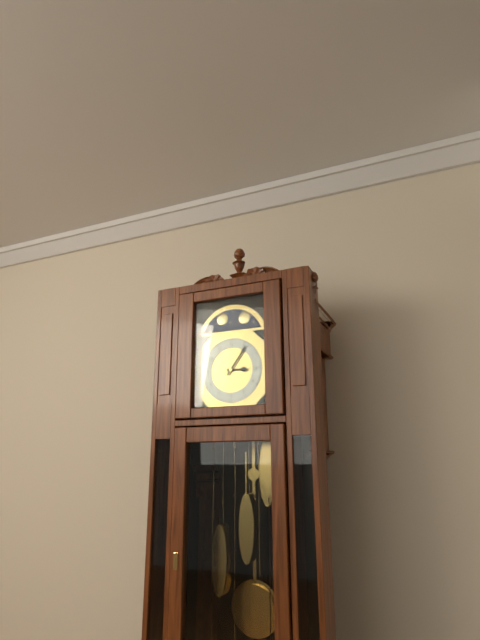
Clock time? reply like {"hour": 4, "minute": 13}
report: {"hour": 3, "minute": 6}
